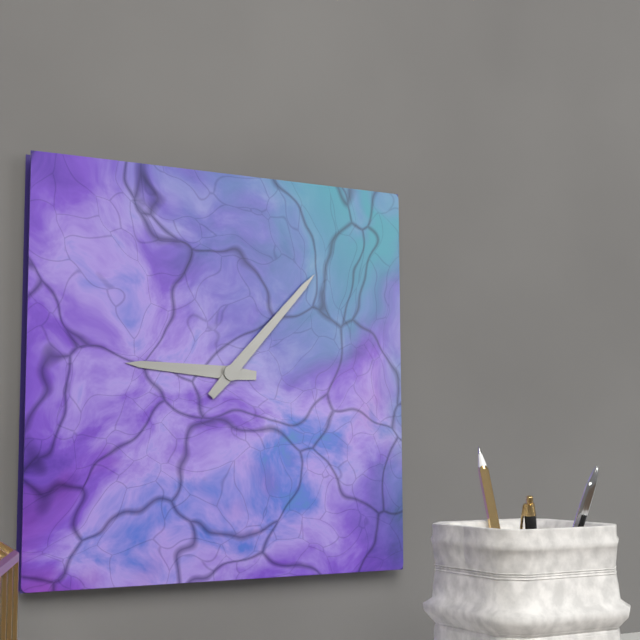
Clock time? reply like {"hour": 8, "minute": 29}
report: {"hour": 9, "minute": 7}
